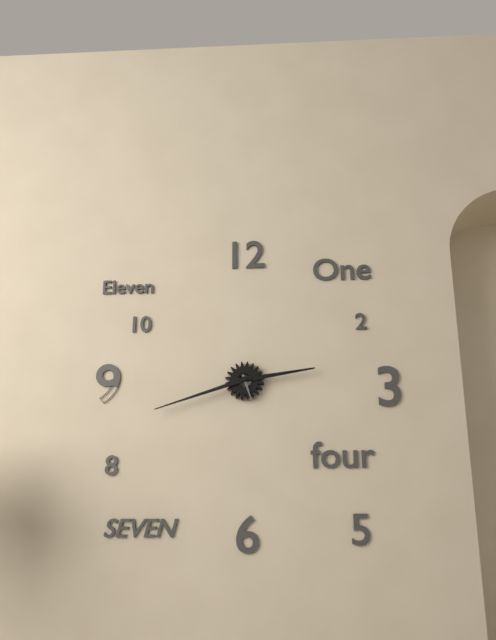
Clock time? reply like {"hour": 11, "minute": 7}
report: {"hour": 2, "minute": 42}
